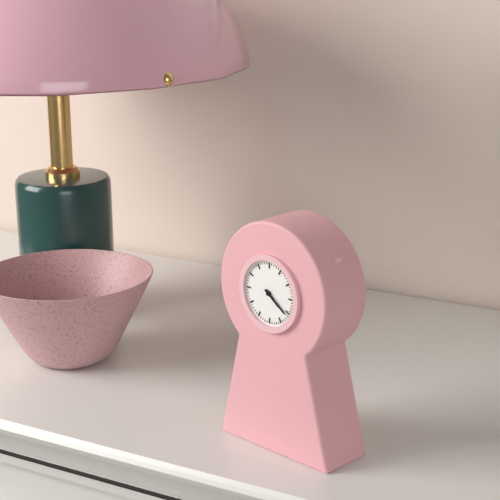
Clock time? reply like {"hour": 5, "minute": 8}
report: {"hour": 4, "minute": 21}
